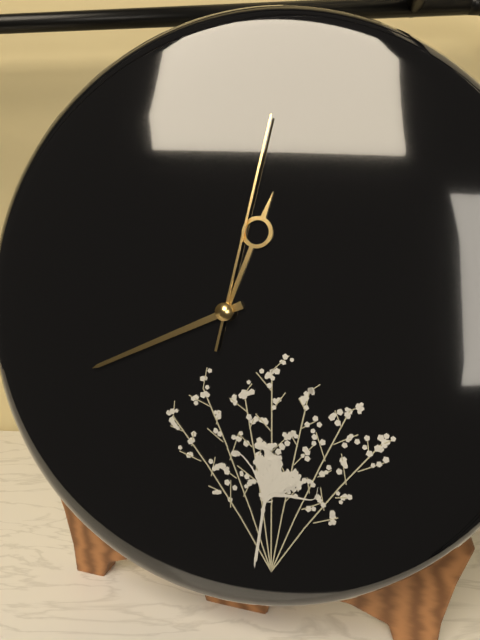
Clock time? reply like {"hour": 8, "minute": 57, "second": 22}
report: {"hour": 12, "minute": 41, "second": 2}
